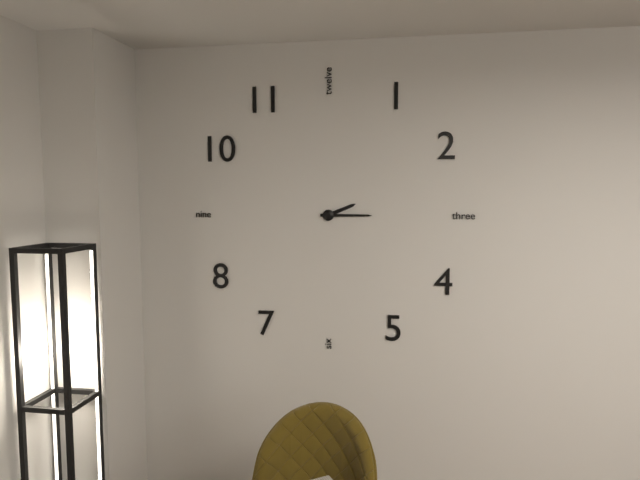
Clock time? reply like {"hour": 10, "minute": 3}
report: {"hour": 2, "minute": 15}
